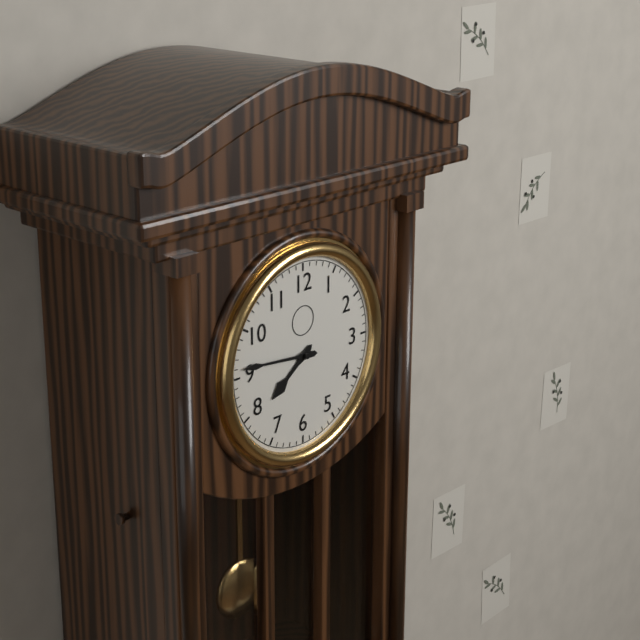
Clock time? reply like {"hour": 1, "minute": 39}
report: {"hour": 7, "minute": 46}
